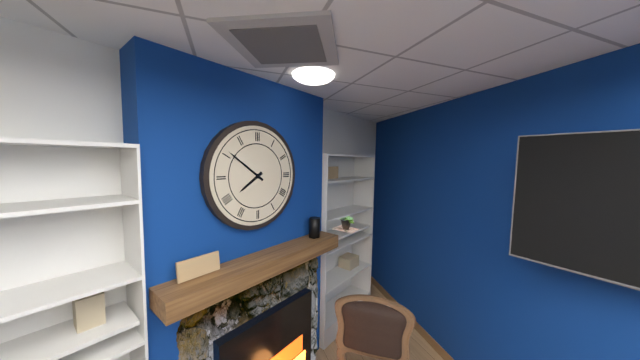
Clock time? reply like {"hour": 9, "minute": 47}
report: {"hour": 7, "minute": 51}
